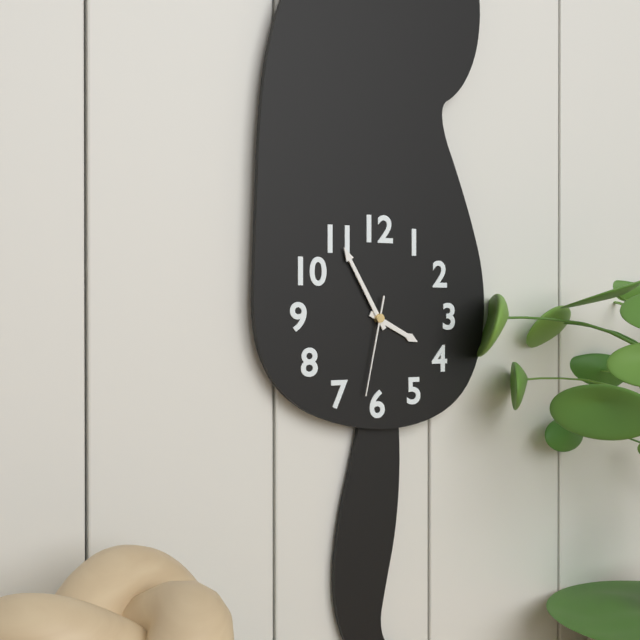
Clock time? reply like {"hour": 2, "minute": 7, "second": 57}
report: {"hour": 3, "minute": 55, "second": 32}
